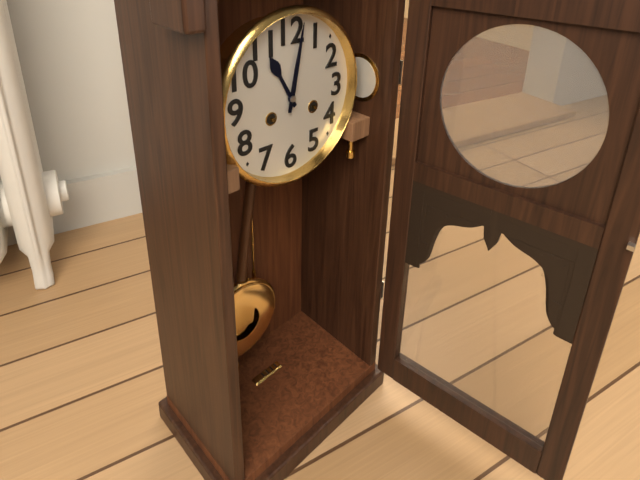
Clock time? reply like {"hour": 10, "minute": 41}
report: {"hour": 11, "minute": 2}
